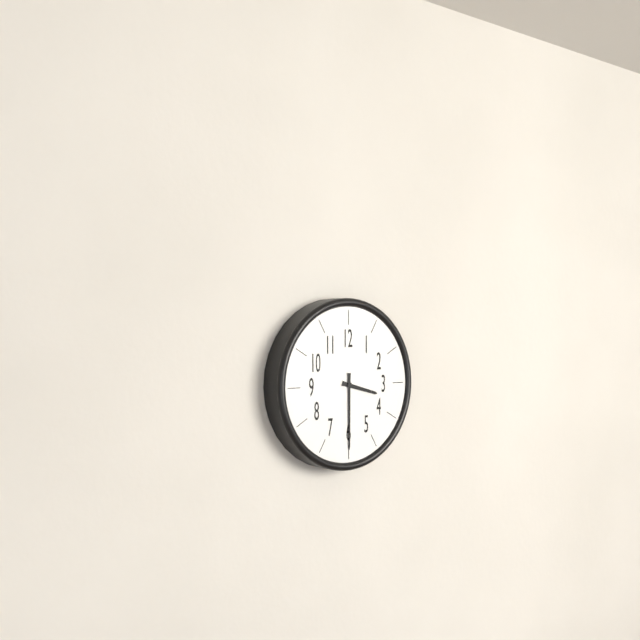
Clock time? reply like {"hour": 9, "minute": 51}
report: {"hour": 3, "minute": 30}
